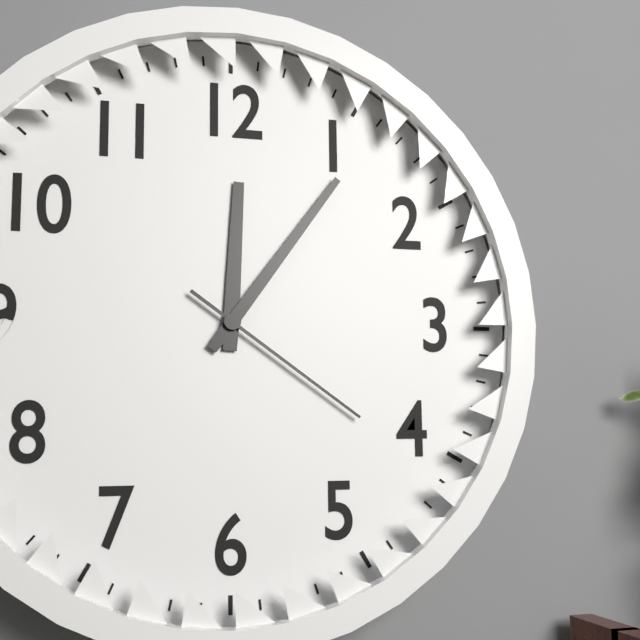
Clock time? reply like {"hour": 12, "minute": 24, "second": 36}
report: {"hour": 12, "minute": 6, "second": 21}
